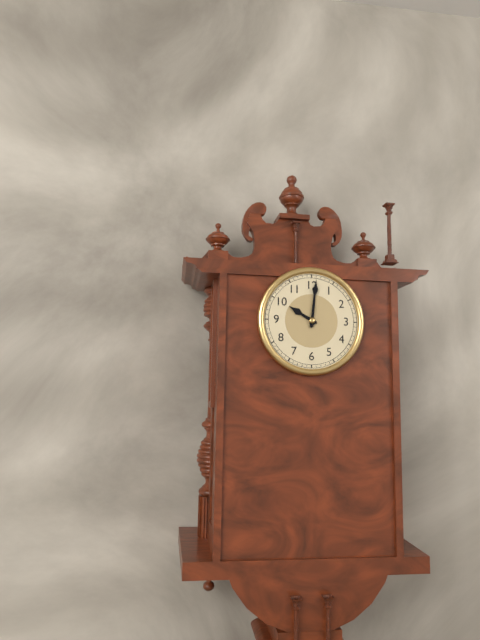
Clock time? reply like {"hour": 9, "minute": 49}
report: {"hour": 10, "minute": 1}
